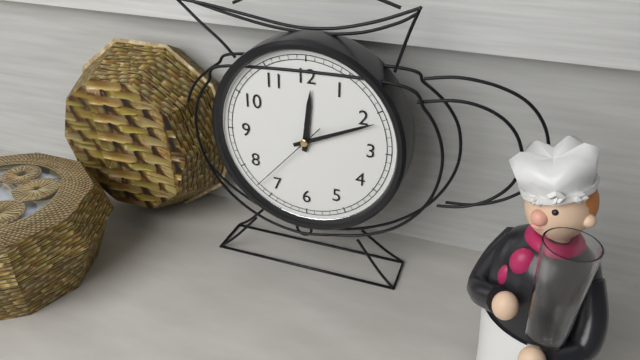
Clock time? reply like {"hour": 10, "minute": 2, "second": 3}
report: {"hour": 12, "minute": 11, "second": 37}
